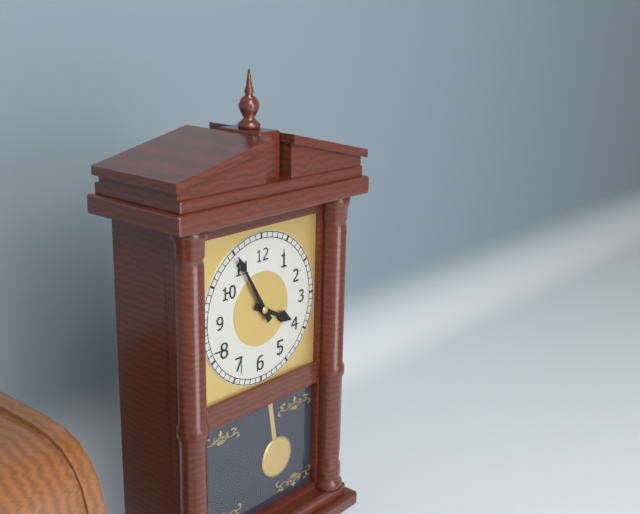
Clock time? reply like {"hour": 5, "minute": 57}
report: {"hour": 3, "minute": 55}
